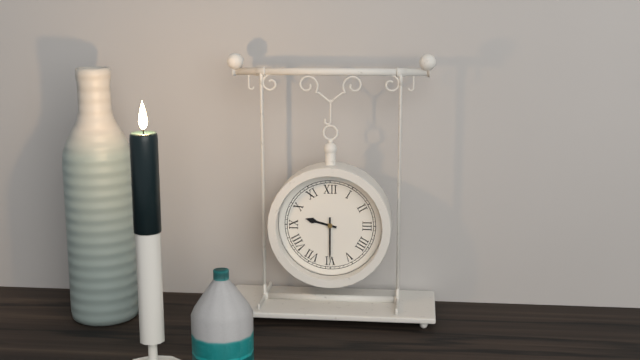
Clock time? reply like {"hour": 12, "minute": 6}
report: {"hour": 9, "minute": 30}
